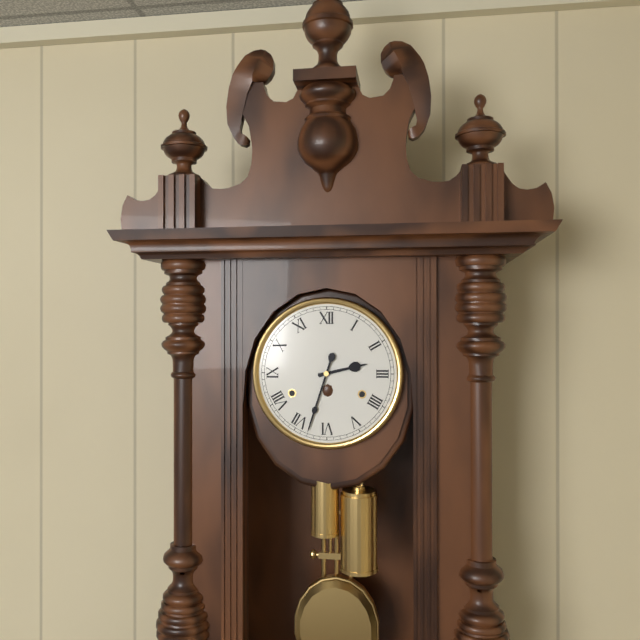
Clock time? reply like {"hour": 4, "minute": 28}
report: {"hour": 2, "minute": 33}
